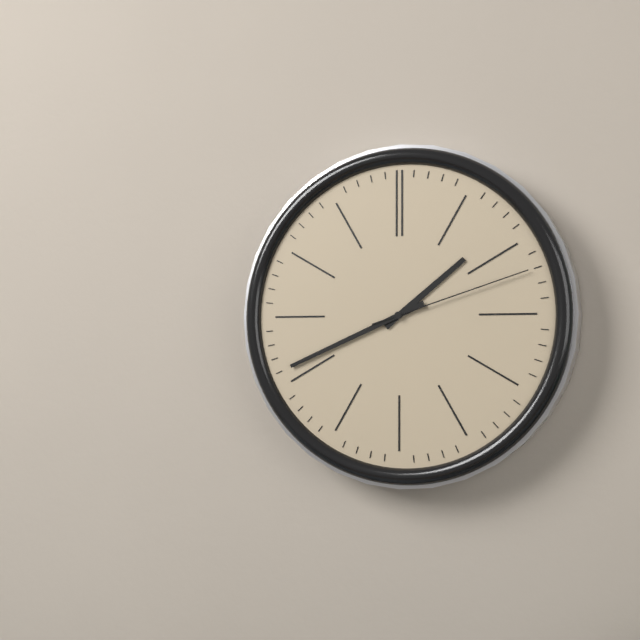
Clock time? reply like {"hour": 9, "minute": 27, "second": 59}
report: {"hour": 1, "minute": 41, "second": 12}
